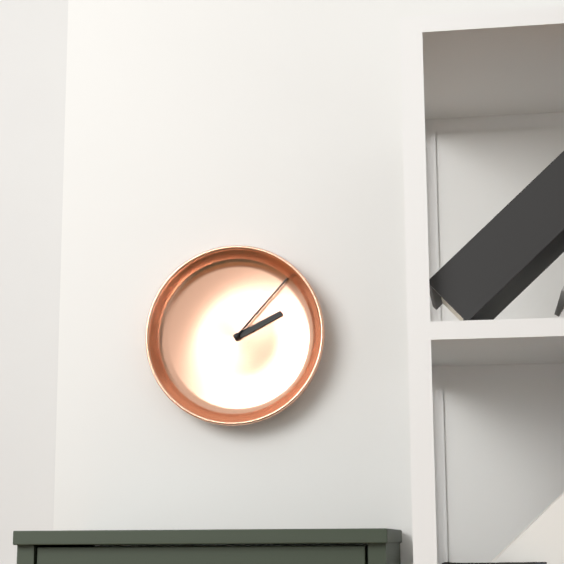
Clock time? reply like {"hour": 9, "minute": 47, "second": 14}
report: {"hour": 2, "minute": 7, "second": 7}
